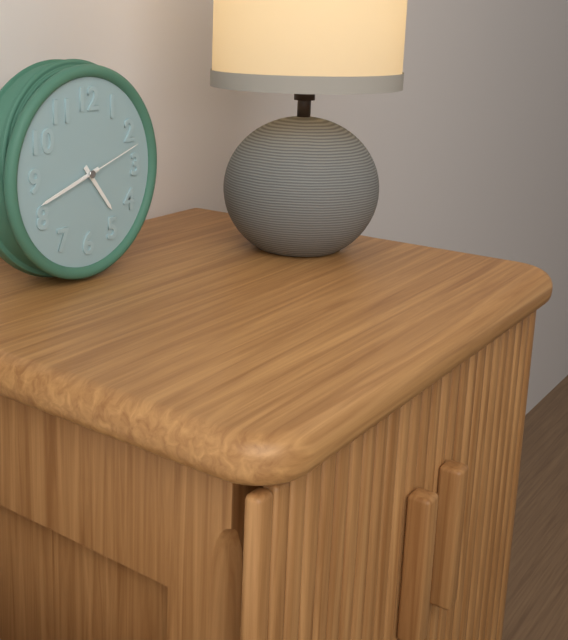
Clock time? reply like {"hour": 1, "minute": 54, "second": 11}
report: {"hour": 4, "minute": 42, "second": 12}
